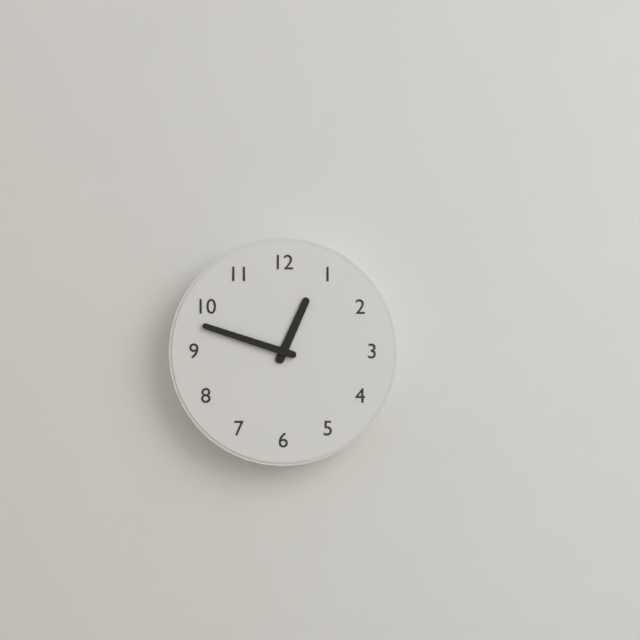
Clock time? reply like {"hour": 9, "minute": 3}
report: {"hour": 12, "minute": 48}
